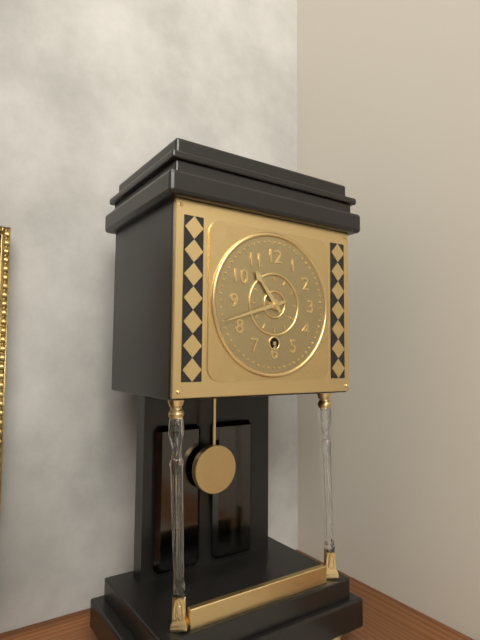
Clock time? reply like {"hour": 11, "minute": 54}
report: {"hour": 10, "minute": 42}
